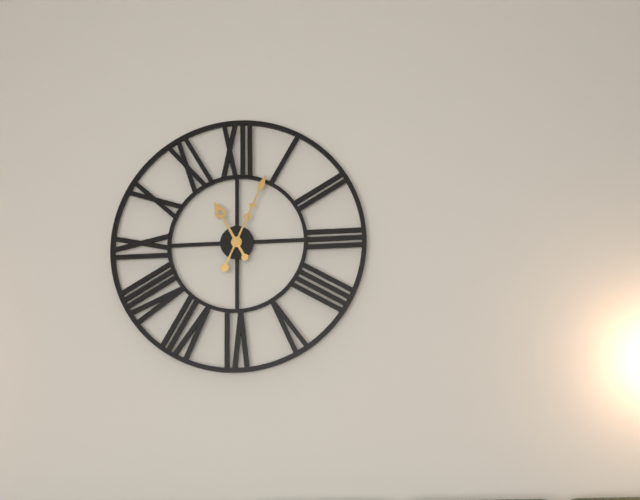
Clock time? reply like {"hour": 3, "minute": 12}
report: {"hour": 11, "minute": 4}
